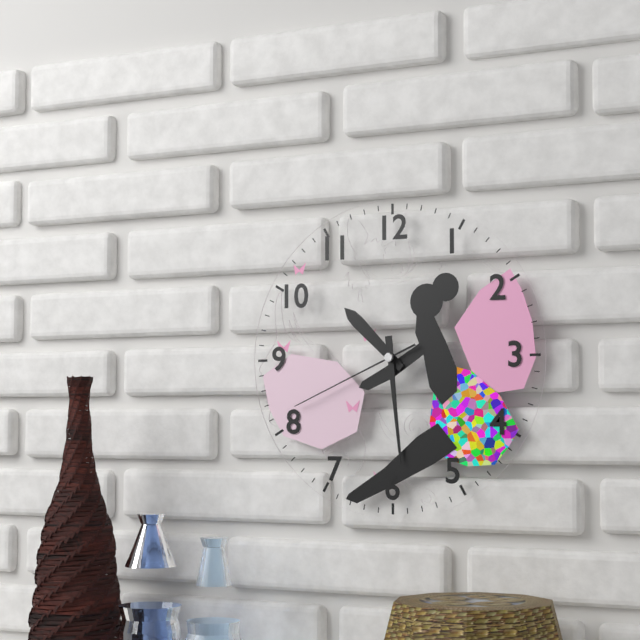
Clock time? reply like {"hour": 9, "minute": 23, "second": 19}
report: {"hour": 10, "minute": 29, "second": 41}
